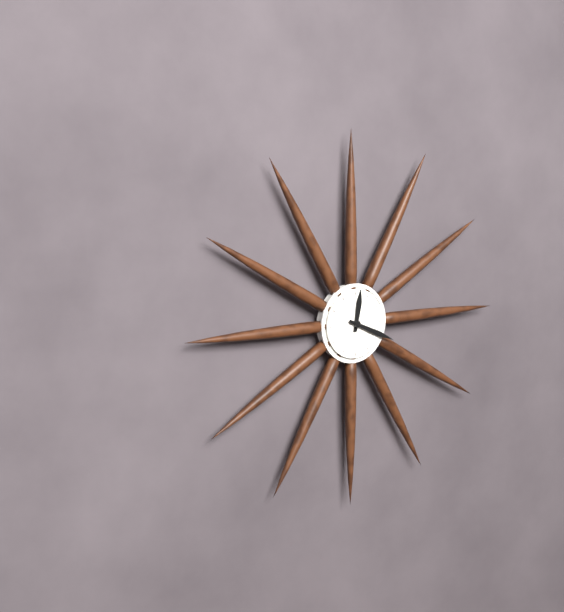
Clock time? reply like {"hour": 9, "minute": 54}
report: {"hour": 12, "minute": 19}
